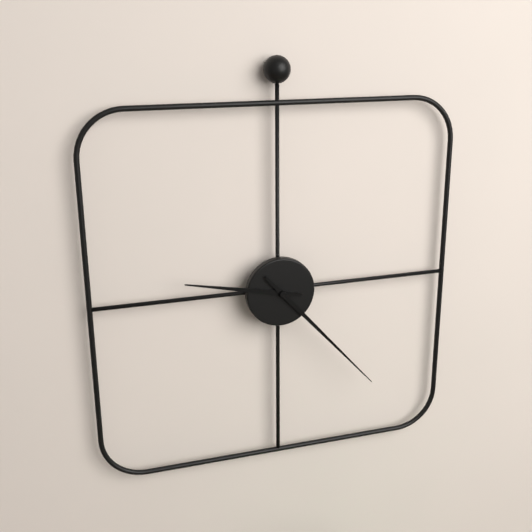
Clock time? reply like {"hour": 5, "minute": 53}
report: {"hour": 9, "minute": 23}
